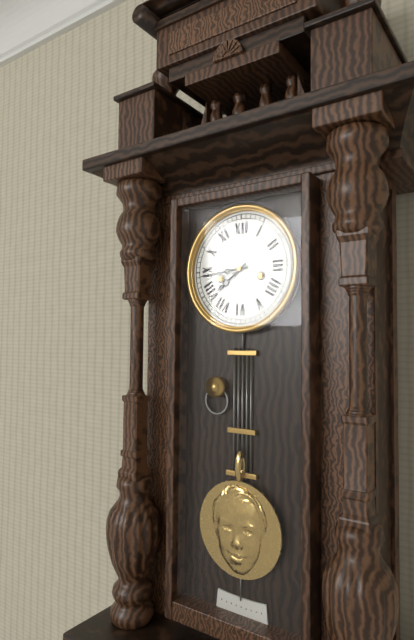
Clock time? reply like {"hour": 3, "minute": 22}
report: {"hour": 7, "minute": 44}
